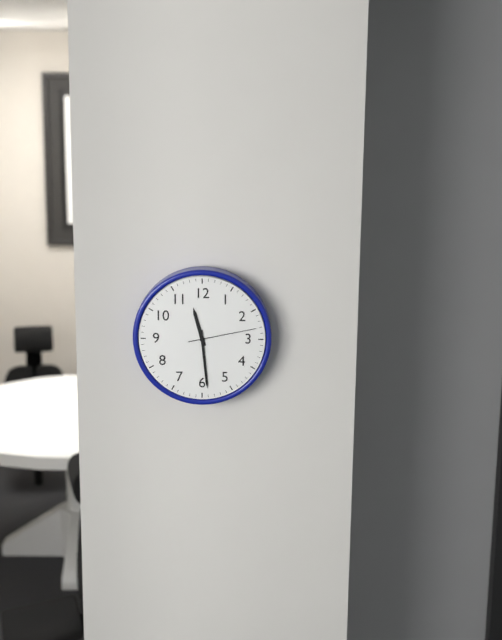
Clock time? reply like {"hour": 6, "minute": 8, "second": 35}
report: {"hour": 11, "minute": 29, "second": 13}
